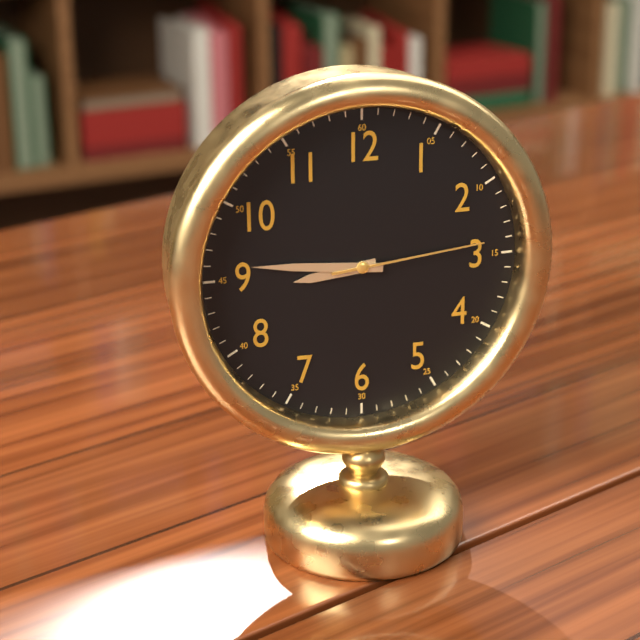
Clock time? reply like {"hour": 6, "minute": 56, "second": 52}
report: {"hour": 8, "minute": 46, "second": 14}
